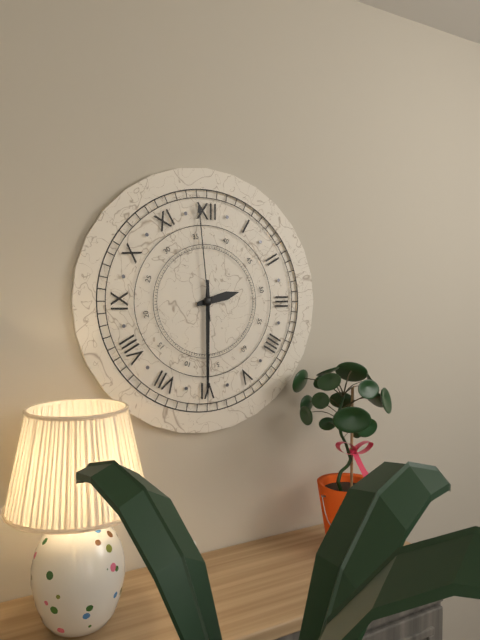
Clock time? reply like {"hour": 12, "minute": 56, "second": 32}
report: {"hour": 2, "minute": 30, "second": 59}
